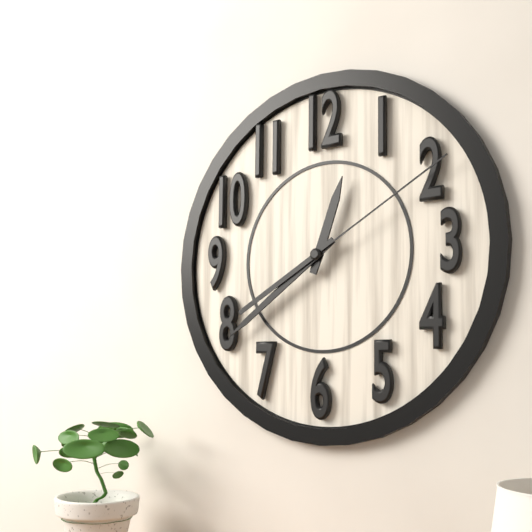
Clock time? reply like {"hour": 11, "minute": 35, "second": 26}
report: {"hour": 12, "minute": 39, "second": 10}
